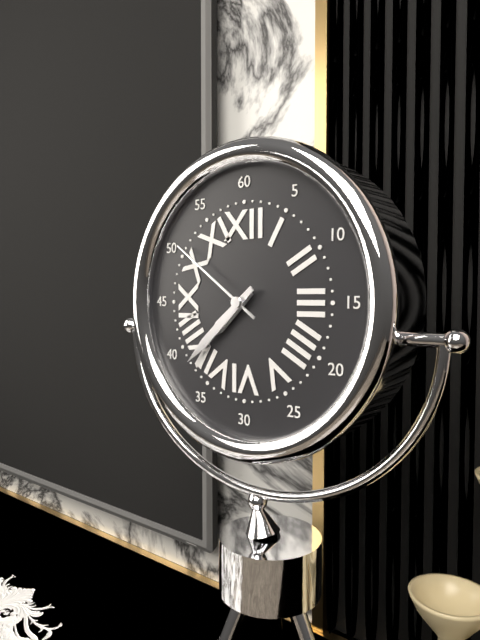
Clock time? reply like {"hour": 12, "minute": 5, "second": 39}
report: {"hour": 7, "minute": 38, "second": 51}
